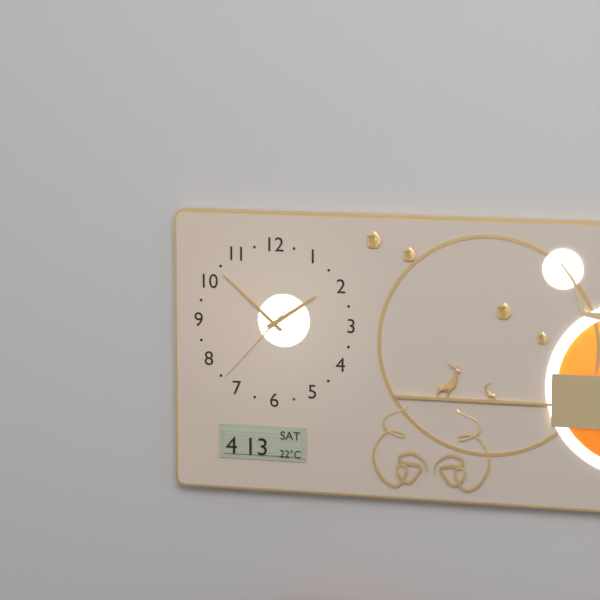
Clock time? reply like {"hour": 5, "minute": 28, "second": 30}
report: {"hour": 1, "minute": 52, "second": 37}
